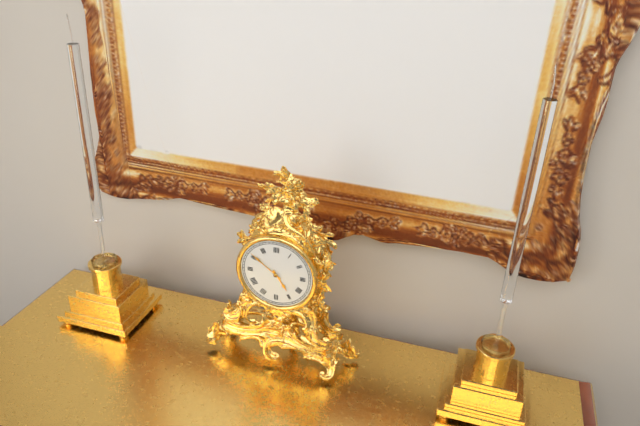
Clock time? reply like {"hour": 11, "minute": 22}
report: {"hour": 4, "minute": 51}
